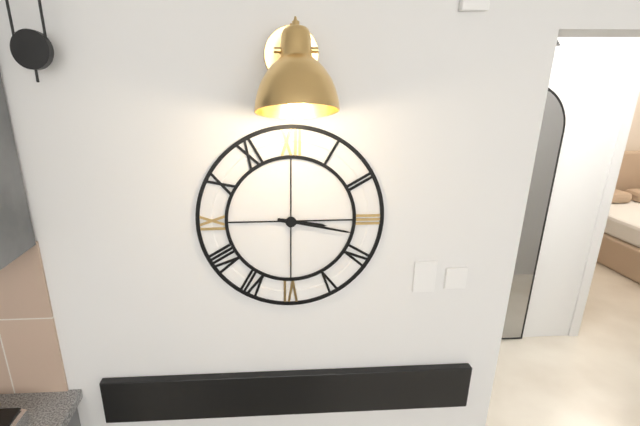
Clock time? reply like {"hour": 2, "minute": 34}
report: {"hour": 3, "minute": 17}
